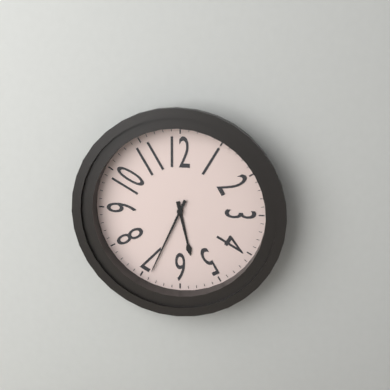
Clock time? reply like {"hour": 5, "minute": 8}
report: {"hour": 5, "minute": 34}
